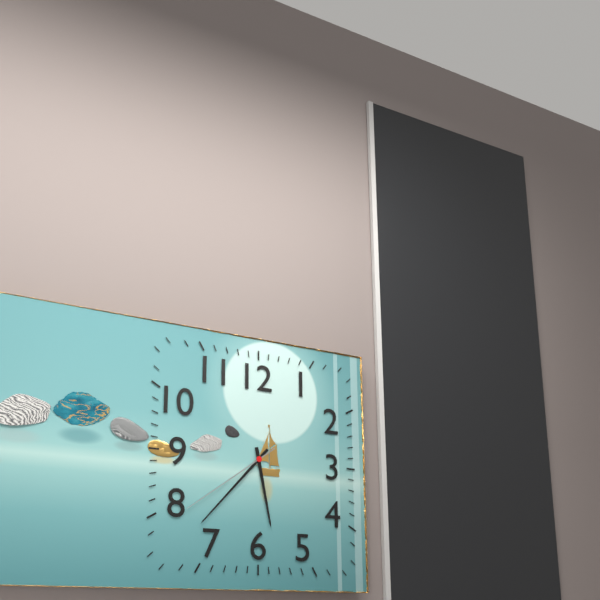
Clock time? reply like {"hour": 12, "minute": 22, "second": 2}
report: {"hour": 5, "minute": 37, "second": 39}
